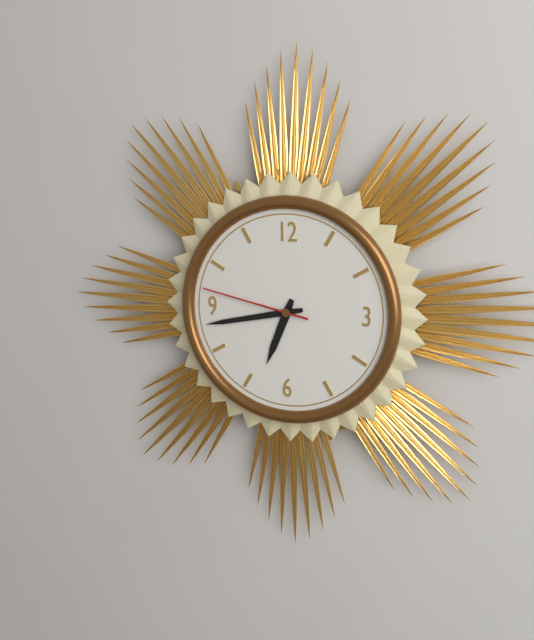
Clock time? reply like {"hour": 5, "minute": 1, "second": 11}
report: {"hour": 6, "minute": 43, "second": 47}
